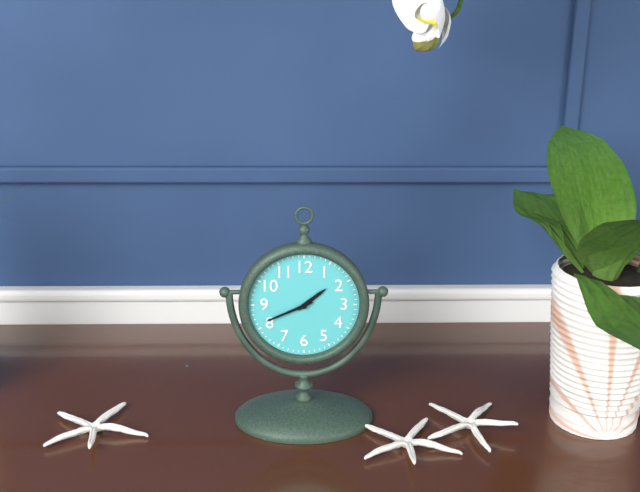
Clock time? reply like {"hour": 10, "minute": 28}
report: {"hour": 1, "minute": 41}
